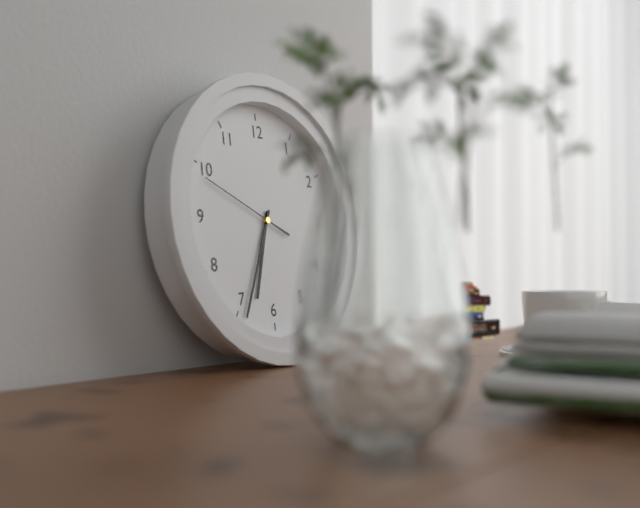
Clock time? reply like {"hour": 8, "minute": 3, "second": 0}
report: {"hour": 6, "minute": 34, "second": 49}
